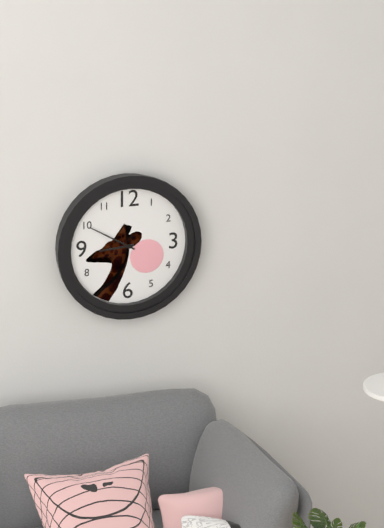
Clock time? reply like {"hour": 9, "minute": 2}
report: {"hour": 8, "minute": 50}
